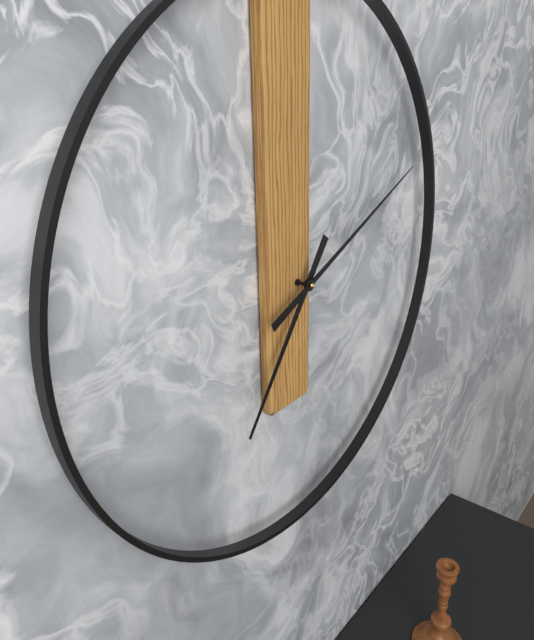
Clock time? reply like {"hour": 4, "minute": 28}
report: {"hour": 7, "minute": 11}
